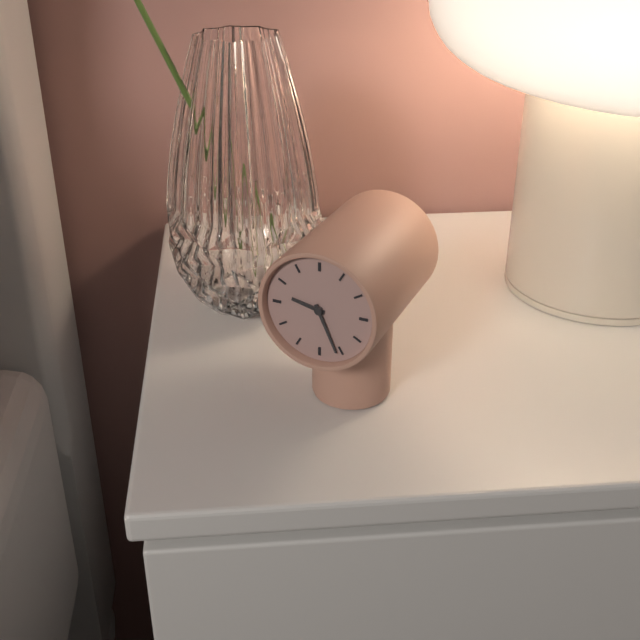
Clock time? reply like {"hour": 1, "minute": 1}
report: {"hour": 9, "minute": 26}
